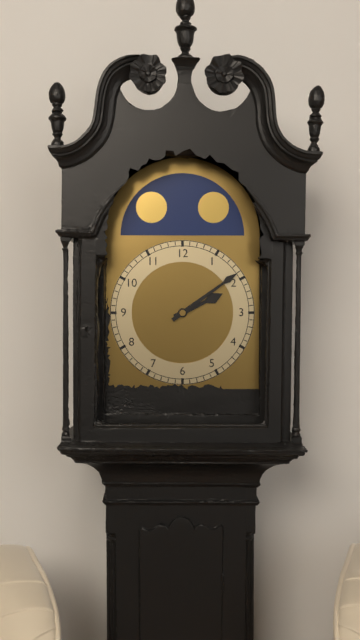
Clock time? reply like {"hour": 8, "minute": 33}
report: {"hour": 2, "minute": 9}
